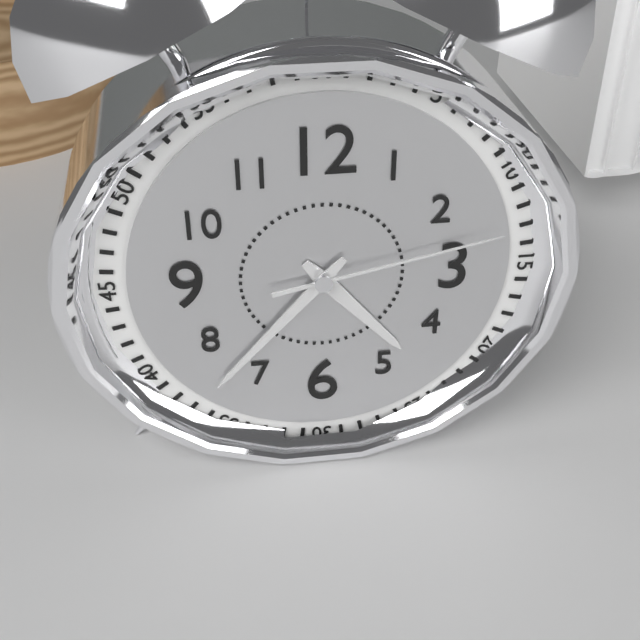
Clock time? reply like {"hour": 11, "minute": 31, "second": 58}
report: {"hour": 4, "minute": 37, "second": 13}
